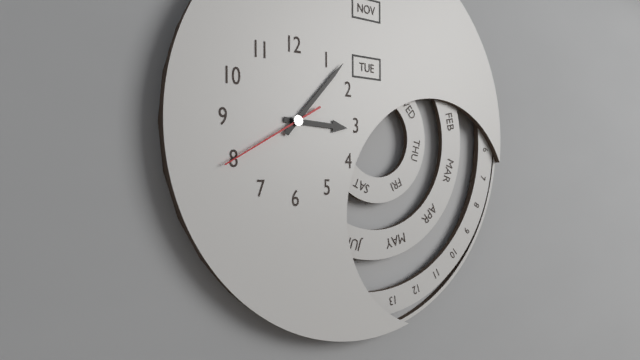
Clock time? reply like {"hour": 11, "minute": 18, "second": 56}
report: {"hour": 3, "minute": 7, "second": 40}
